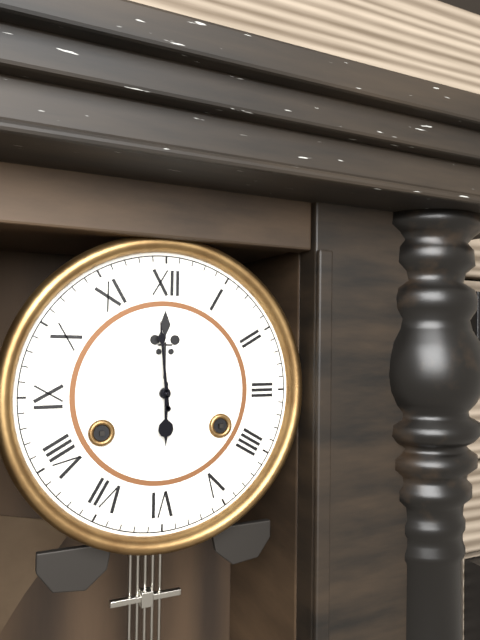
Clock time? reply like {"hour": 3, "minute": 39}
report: {"hour": 5, "minute": 59}
